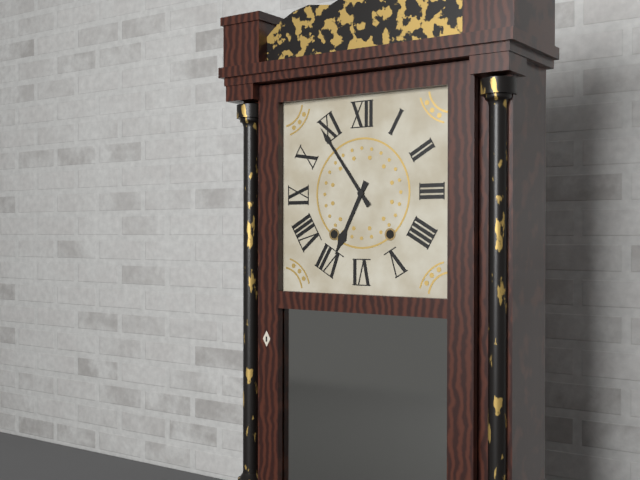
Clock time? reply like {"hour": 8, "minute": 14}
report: {"hour": 6, "minute": 54}
